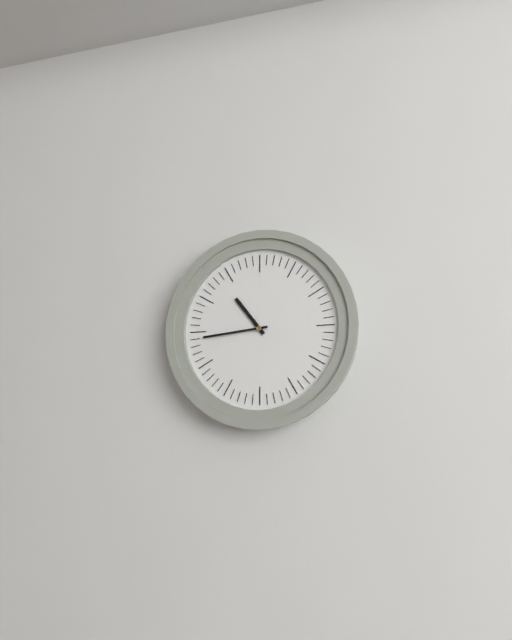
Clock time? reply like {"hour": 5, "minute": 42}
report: {"hour": 10, "minute": 44}
